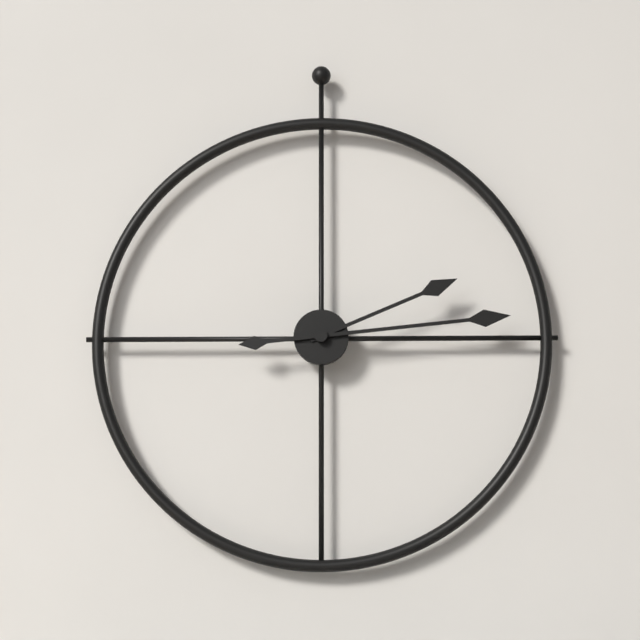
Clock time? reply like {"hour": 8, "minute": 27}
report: {"hour": 2, "minute": 14}
